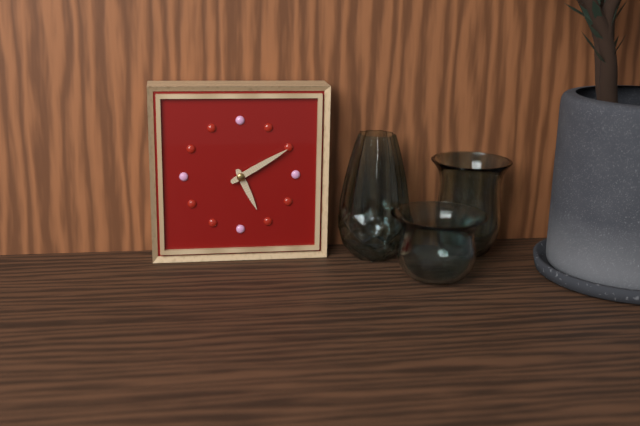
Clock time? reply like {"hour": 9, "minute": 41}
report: {"hour": 5, "minute": 10}
